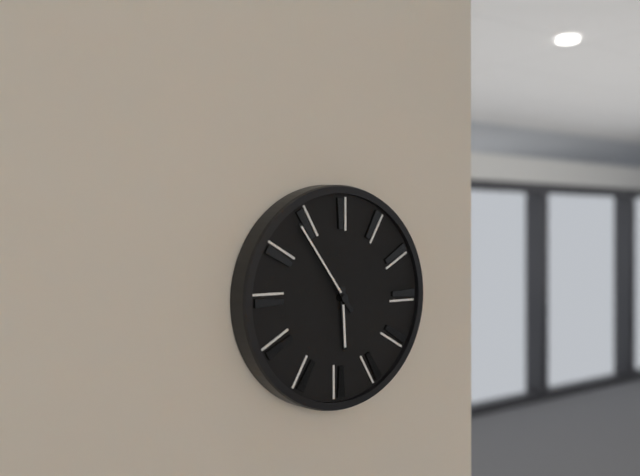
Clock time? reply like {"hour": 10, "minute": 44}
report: {"hour": 5, "minute": 54}
